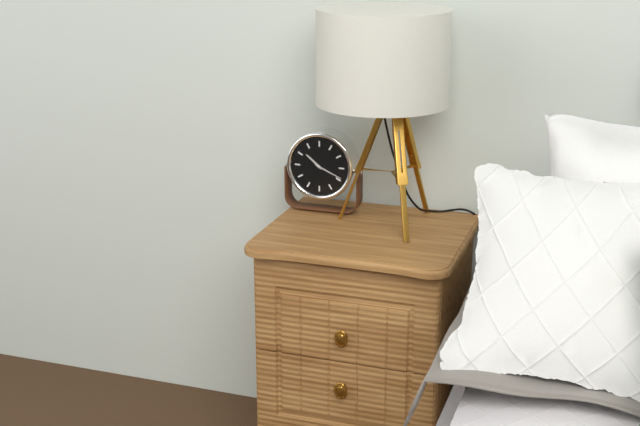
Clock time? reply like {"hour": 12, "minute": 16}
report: {"hour": 10, "minute": 19}
